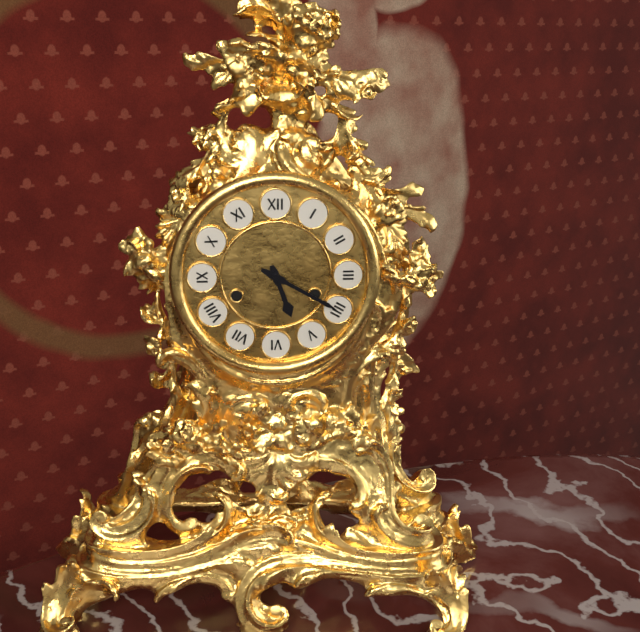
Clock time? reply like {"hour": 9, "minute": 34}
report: {"hour": 5, "minute": 20}
